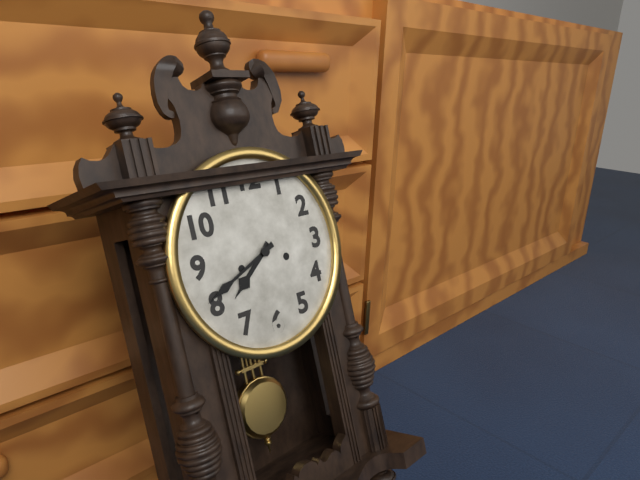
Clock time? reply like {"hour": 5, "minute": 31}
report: {"hour": 7, "minute": 41}
